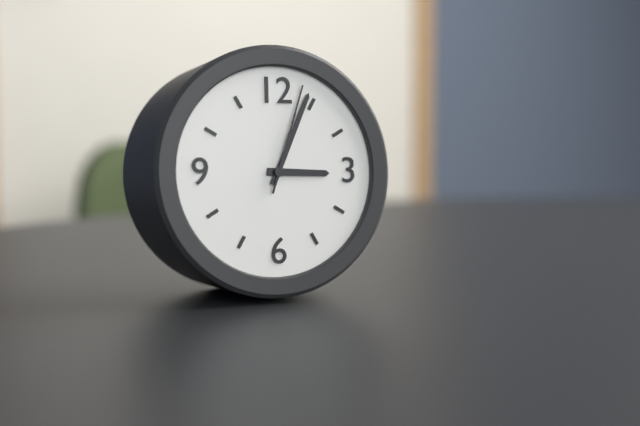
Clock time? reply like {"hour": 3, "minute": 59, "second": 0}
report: {"hour": 3, "minute": 4, "second": 3}
